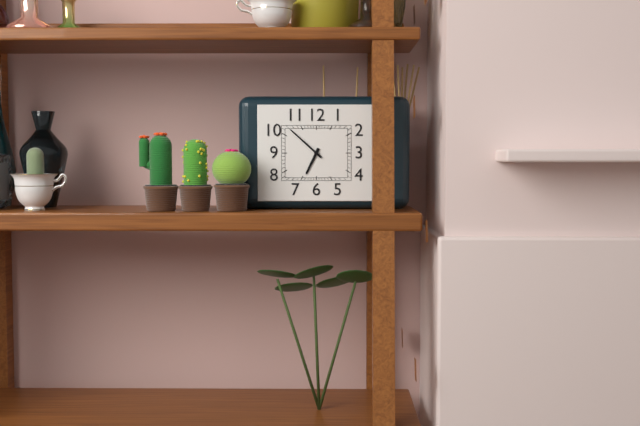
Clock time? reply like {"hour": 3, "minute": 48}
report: {"hour": 6, "minute": 52}
